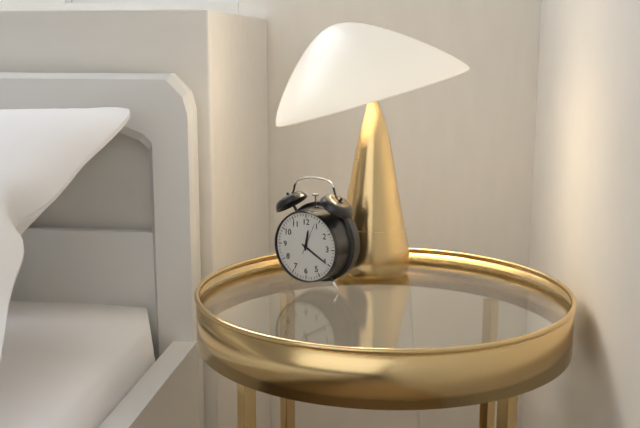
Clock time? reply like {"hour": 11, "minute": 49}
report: {"hour": 12, "minute": 20}
